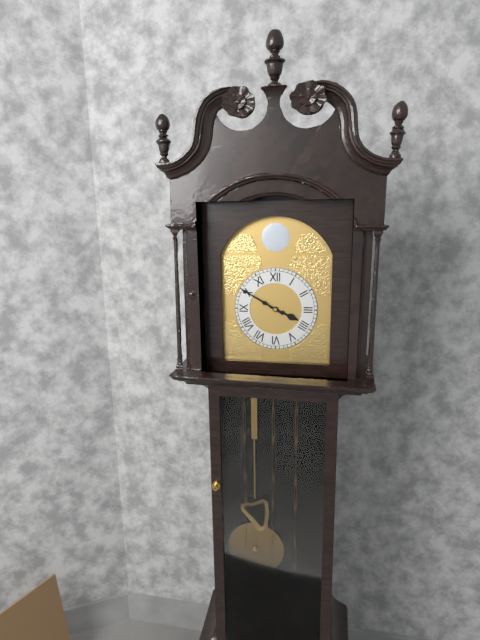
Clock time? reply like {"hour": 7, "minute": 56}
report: {"hour": 3, "minute": 50}
